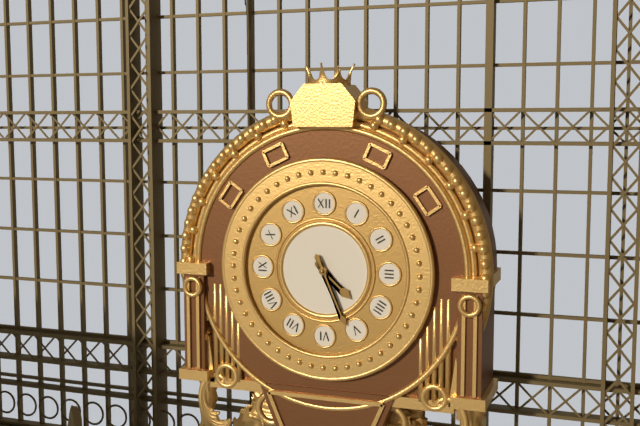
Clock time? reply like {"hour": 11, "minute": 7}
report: {"hour": 4, "minute": 26}
